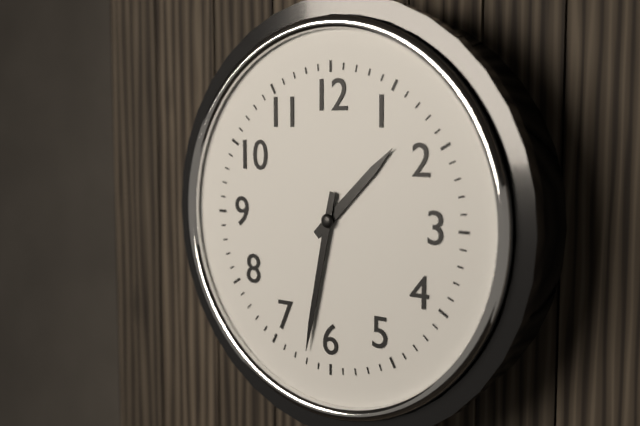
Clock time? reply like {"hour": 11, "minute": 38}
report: {"hour": 1, "minute": 32}
